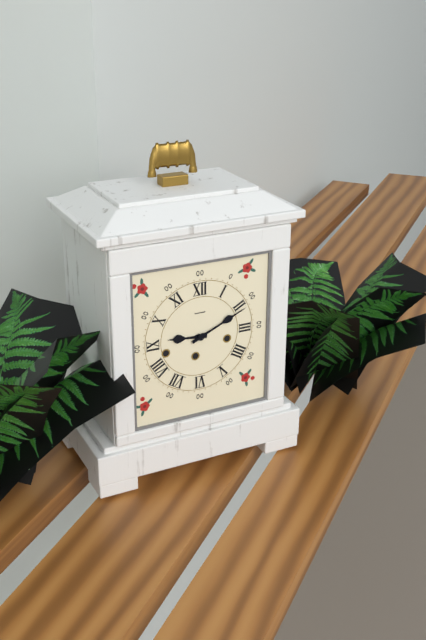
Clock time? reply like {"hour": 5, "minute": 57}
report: {"hour": 9, "minute": 11}
